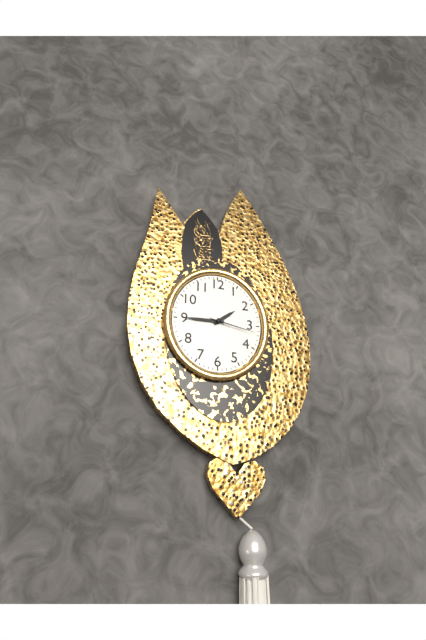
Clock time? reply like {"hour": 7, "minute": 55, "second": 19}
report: {"hour": 1, "minute": 45, "second": 17}
